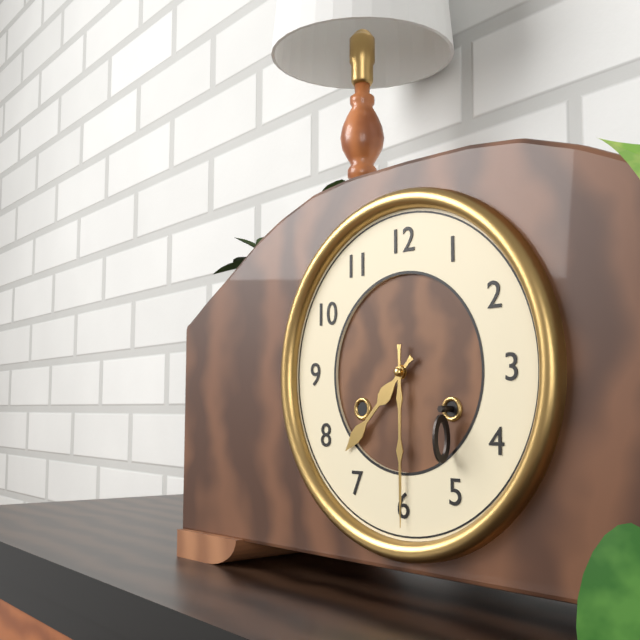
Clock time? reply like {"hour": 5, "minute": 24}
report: {"hour": 7, "minute": 30}
